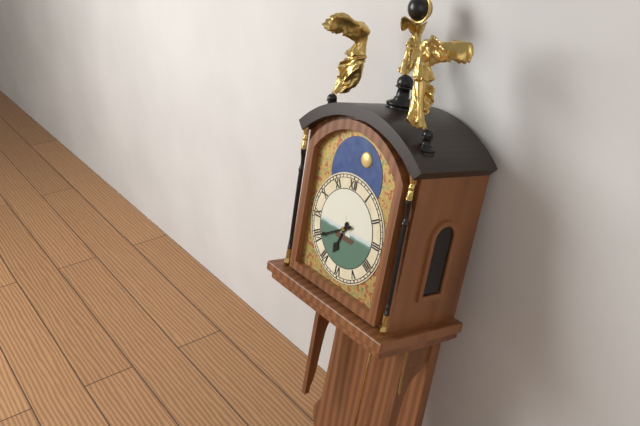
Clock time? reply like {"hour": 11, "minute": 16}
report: {"hour": 6, "minute": 40}
